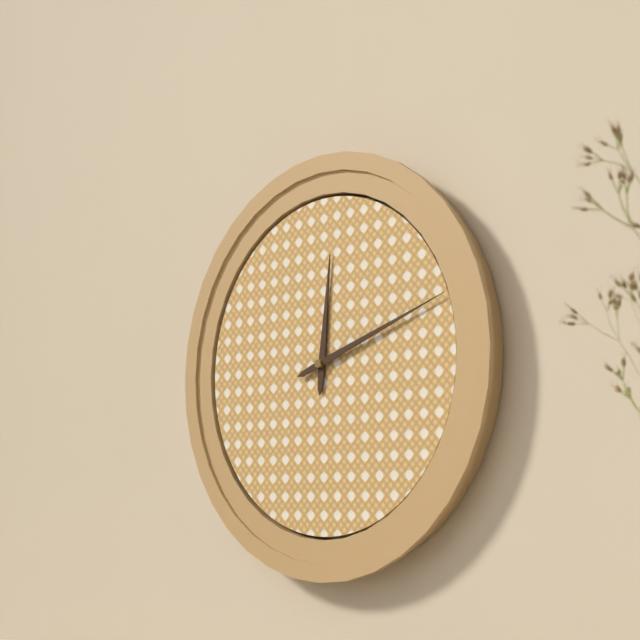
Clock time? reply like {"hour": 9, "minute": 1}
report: {"hour": 12, "minute": 12}
